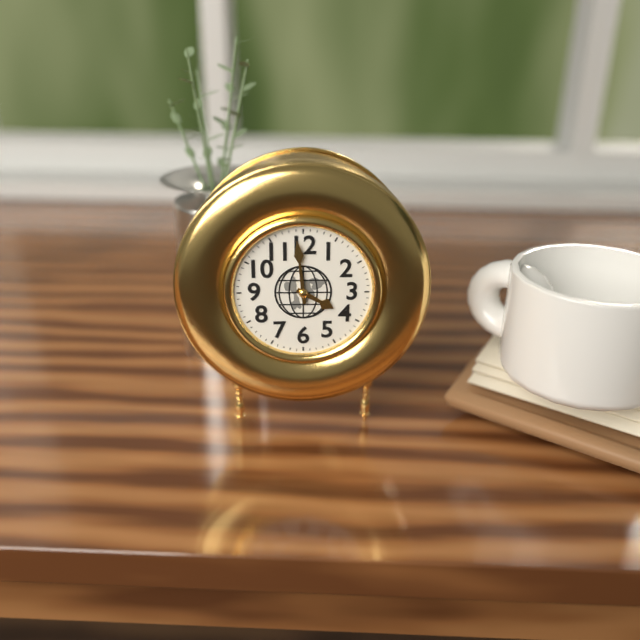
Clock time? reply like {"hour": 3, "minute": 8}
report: {"hour": 3, "minute": 59}
